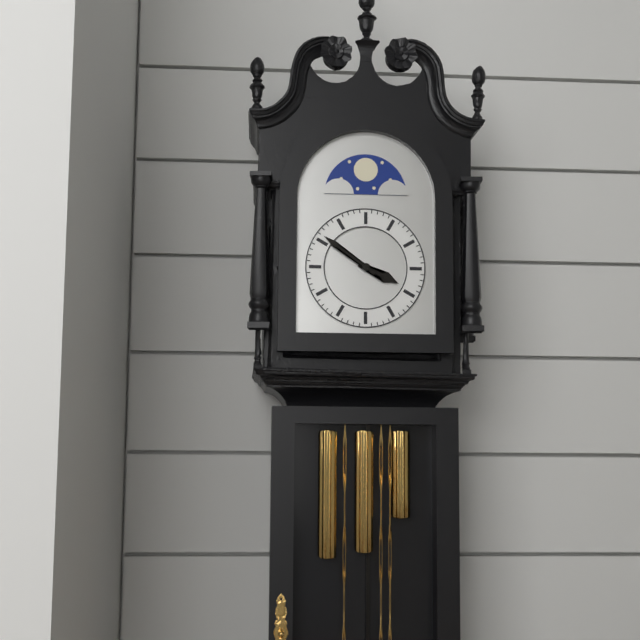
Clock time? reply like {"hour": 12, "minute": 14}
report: {"hour": 3, "minute": 51}
